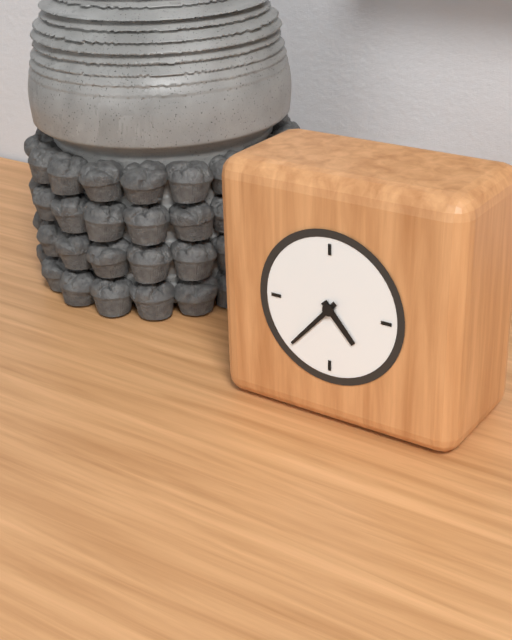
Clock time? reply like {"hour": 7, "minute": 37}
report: {"hour": 4, "minute": 37}
